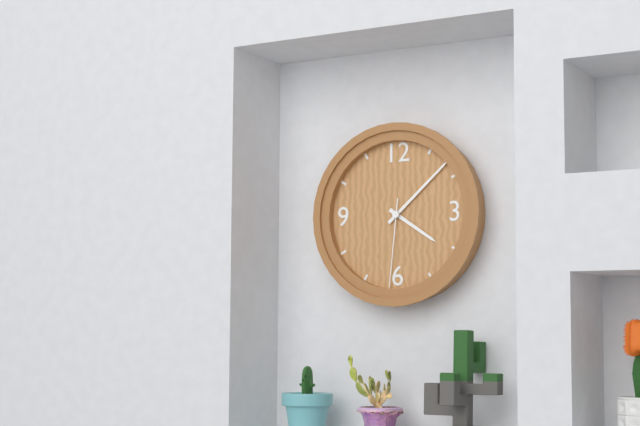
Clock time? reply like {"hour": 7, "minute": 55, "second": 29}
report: {"hour": 4, "minute": 8, "second": 31}
